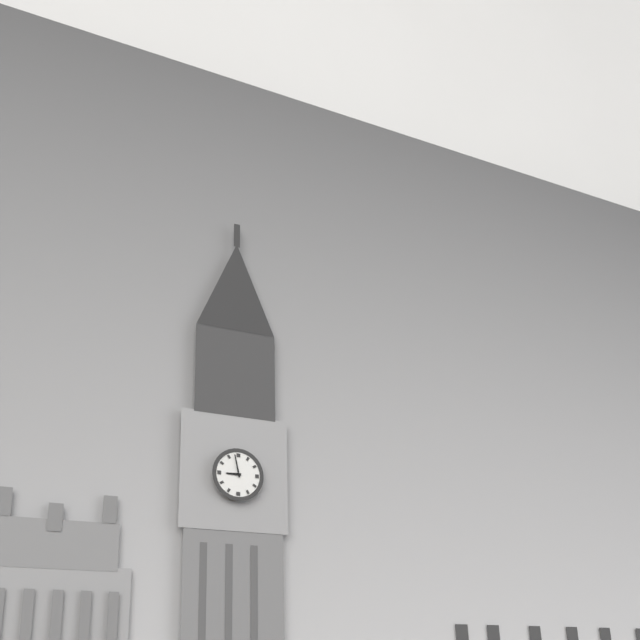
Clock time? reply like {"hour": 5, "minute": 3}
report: {"hour": 8, "minute": 58}
